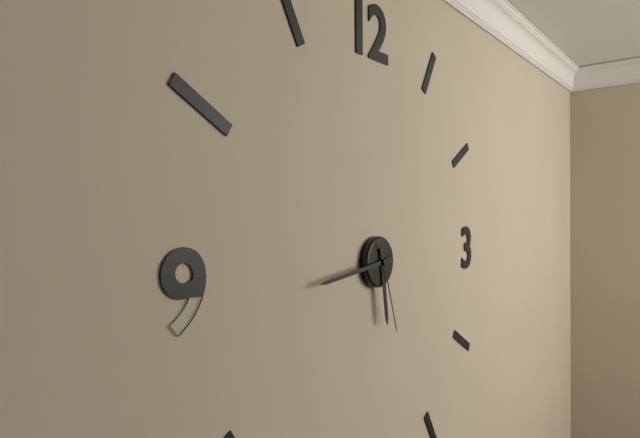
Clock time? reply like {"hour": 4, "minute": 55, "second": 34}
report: {"hour": 5, "minute": 44, "second": 27}
